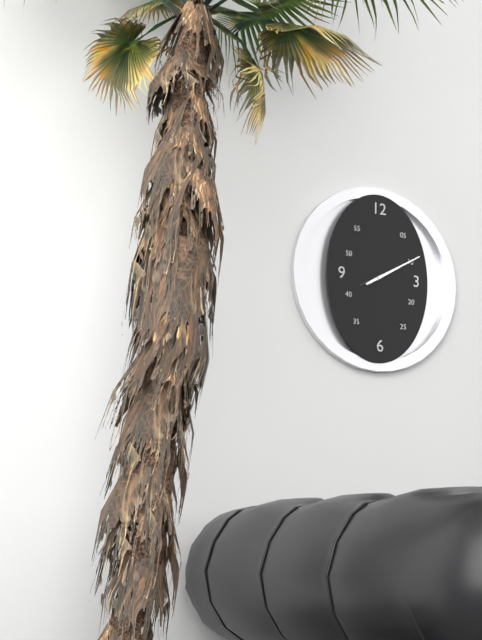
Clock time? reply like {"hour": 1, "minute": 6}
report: {"hour": 8, "minute": 10}
